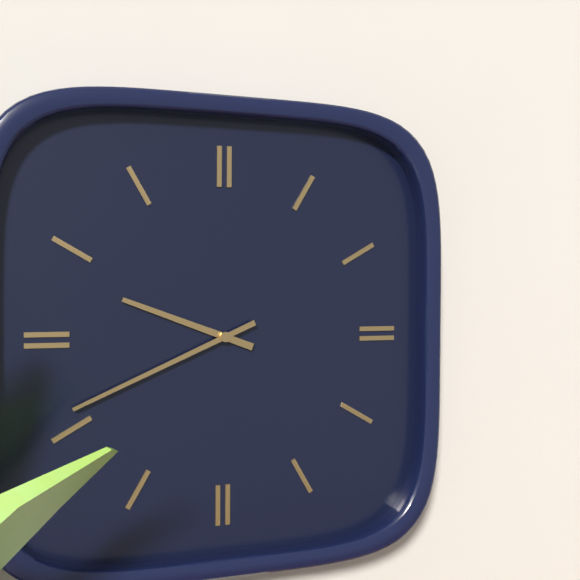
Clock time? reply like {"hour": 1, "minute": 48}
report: {"hour": 9, "minute": 41}
